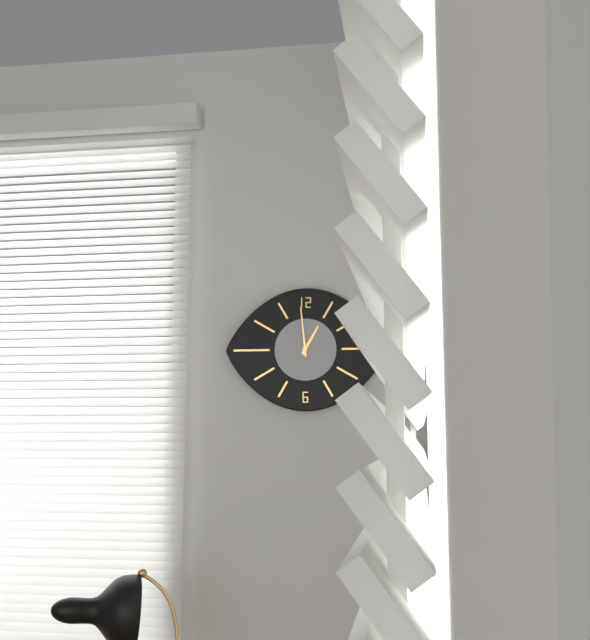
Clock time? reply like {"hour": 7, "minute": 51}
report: {"hour": 12, "minute": 59}
